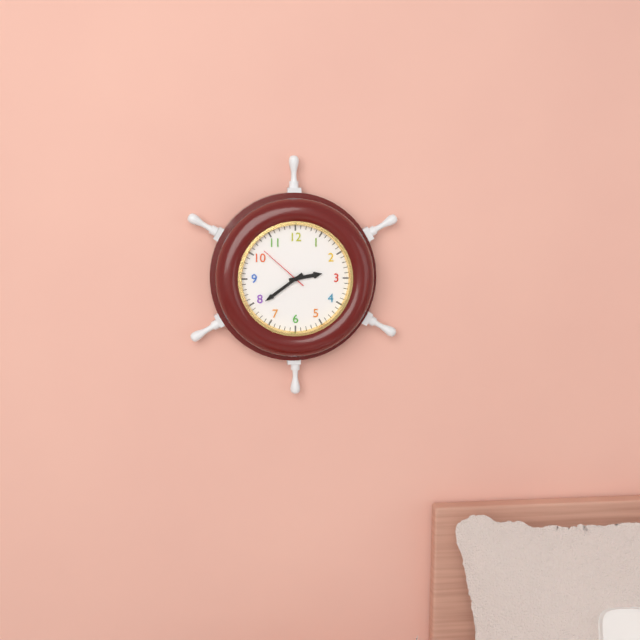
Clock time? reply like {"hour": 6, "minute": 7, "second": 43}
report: {"hour": 2, "minute": 39, "second": 52}
